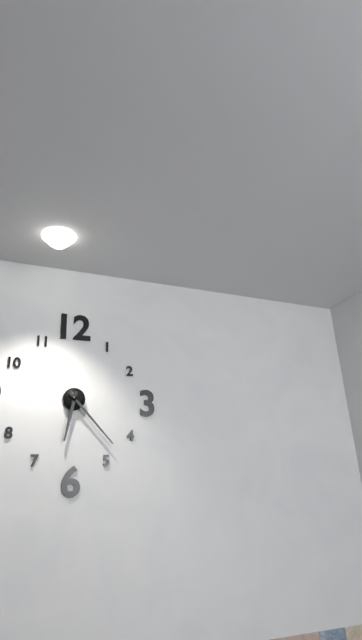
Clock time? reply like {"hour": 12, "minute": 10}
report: {"hour": 6, "minute": 23}
